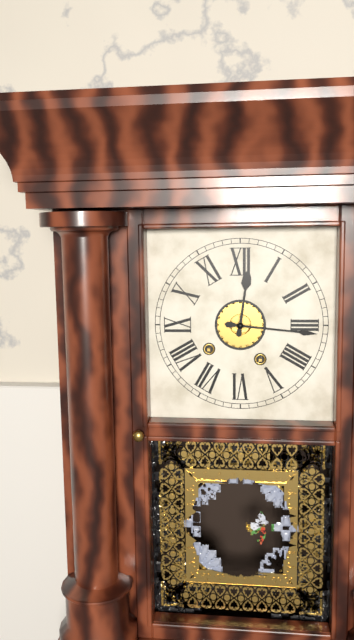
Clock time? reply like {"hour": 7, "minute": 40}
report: {"hour": 12, "minute": 16}
